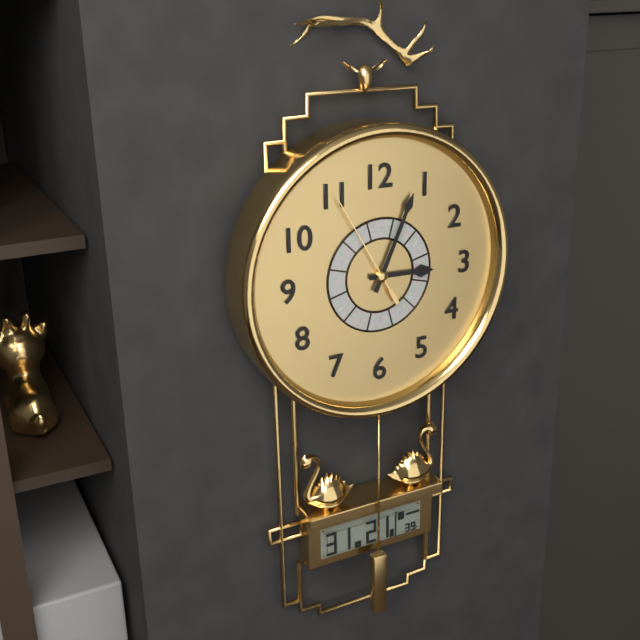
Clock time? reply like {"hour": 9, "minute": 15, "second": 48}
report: {"hour": 3, "minute": 4, "second": 55}
